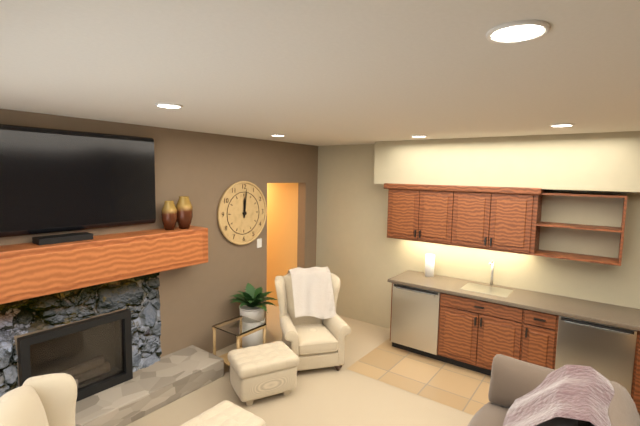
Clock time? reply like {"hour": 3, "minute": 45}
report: {"hour": 12, "minute": 1}
